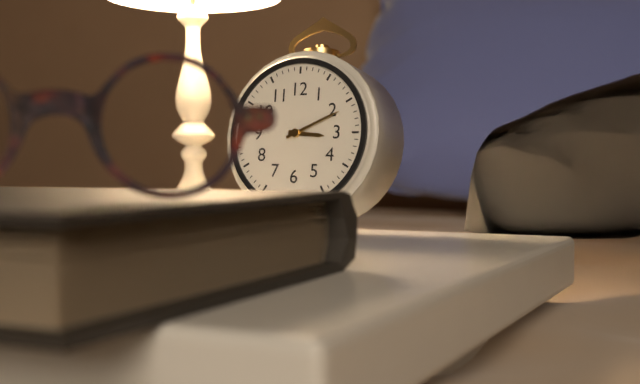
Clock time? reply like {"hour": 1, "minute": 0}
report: {"hour": 3, "minute": 11}
